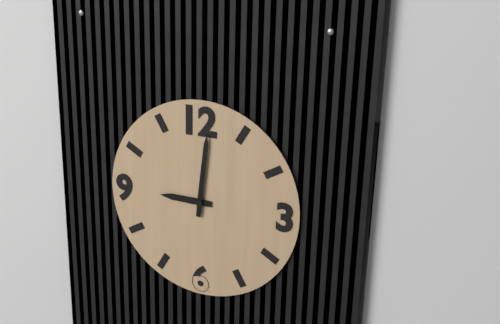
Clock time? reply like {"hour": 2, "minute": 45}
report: {"hour": 9, "minute": 1}
